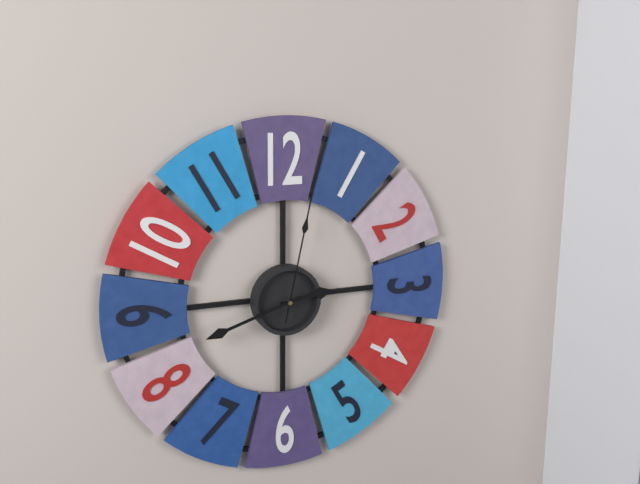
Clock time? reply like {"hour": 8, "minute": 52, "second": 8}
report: {"hour": 2, "minute": 42, "second": 2}
